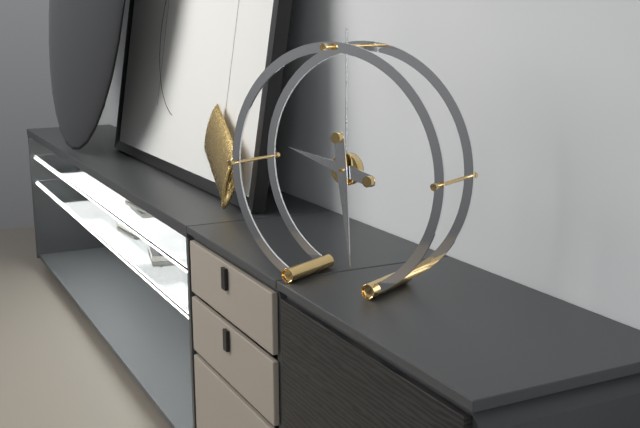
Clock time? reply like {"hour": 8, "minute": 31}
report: {"hour": 9, "minute": 29}
